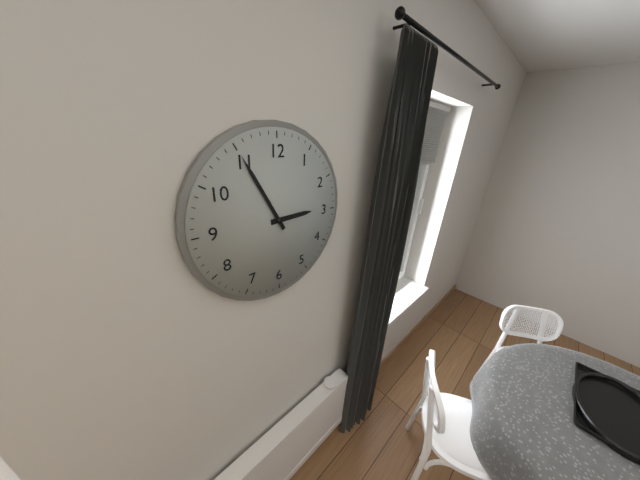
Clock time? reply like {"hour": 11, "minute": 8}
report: {"hour": 2, "minute": 55}
